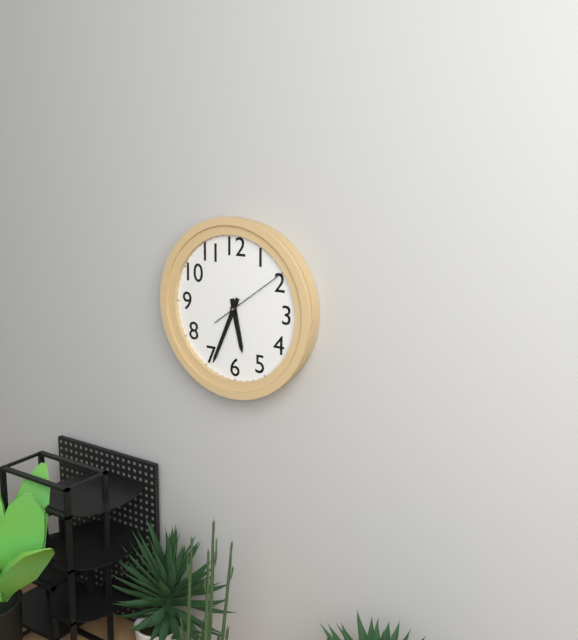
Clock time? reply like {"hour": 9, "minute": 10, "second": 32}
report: {"hour": 5, "minute": 34, "second": 9}
